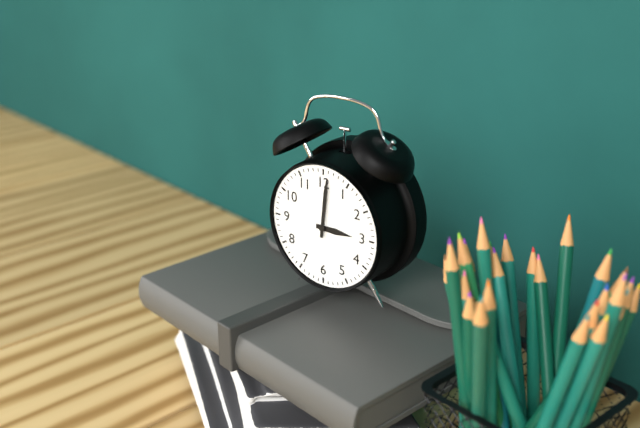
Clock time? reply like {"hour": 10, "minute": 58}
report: {"hour": 3, "minute": 1}
